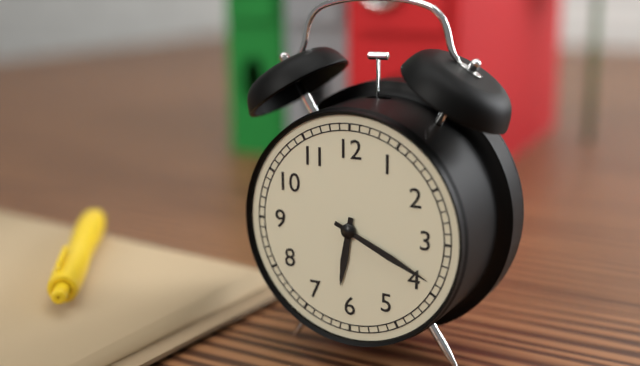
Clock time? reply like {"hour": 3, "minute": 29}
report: {"hour": 6, "minute": 19}
